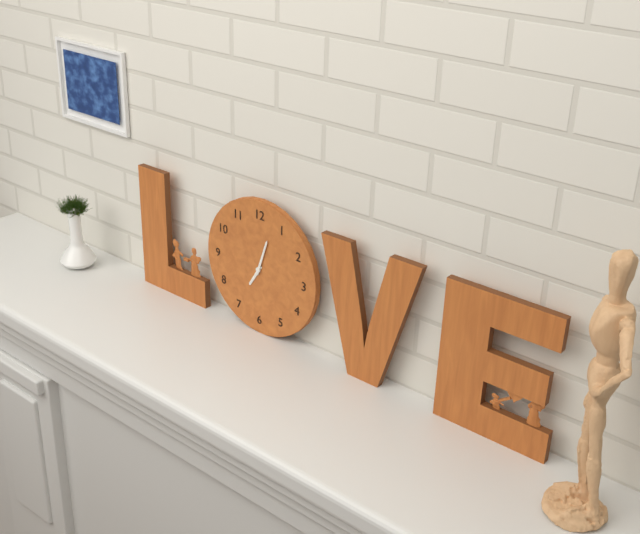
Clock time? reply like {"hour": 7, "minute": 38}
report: {"hour": 7, "minute": 3}
